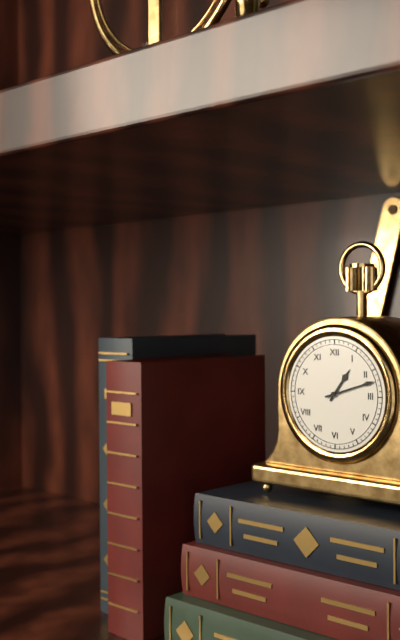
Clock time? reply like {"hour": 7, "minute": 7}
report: {"hour": 1, "minute": 12}
